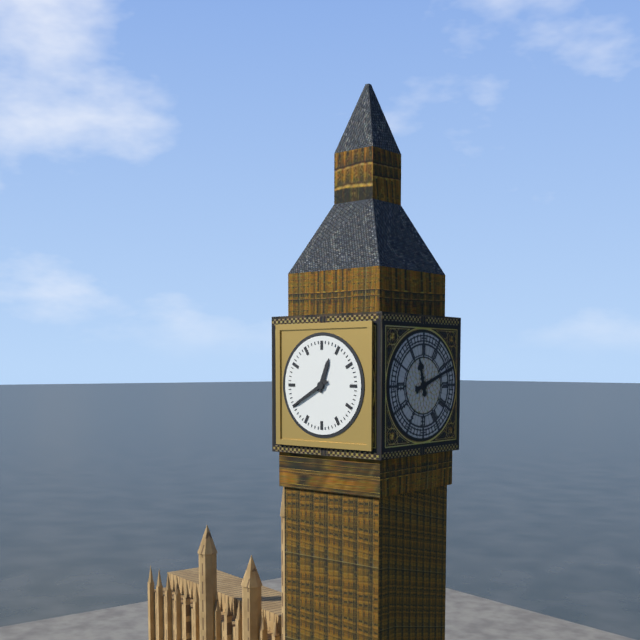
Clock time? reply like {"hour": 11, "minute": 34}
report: {"hour": 12, "minute": 40}
